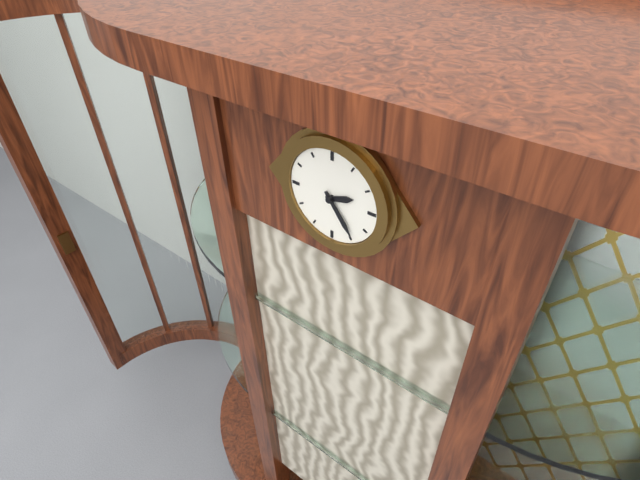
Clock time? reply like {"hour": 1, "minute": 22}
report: {"hour": 2, "minute": 24}
